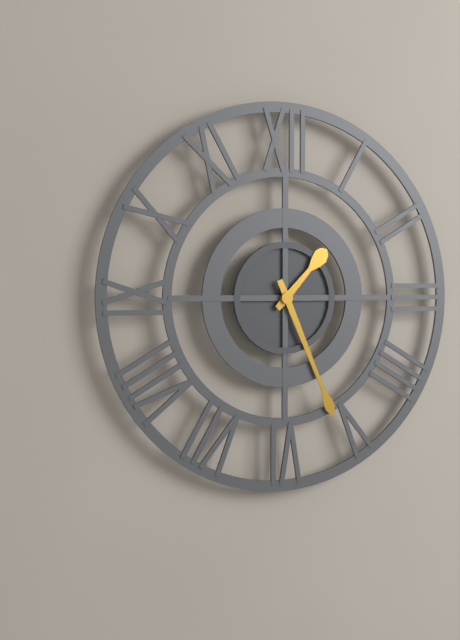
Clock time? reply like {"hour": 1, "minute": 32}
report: {"hour": 1, "minute": 26}
